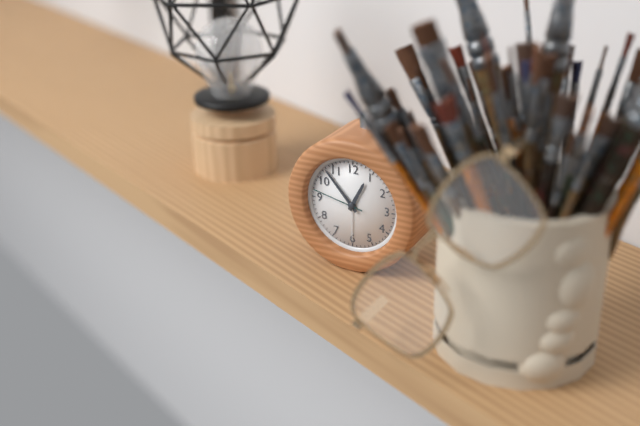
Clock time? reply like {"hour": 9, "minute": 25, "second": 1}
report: {"hour": 12, "minute": 53, "second": 47}
